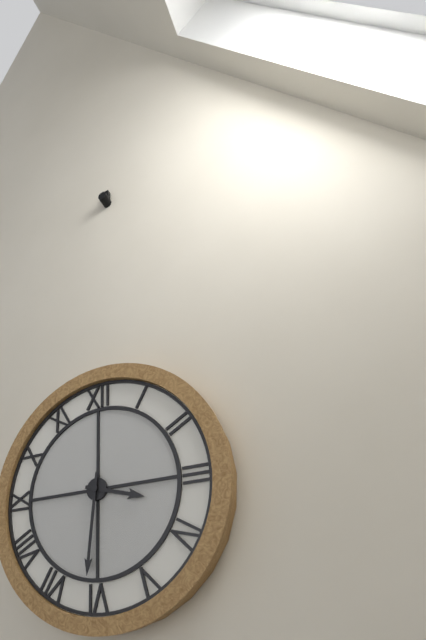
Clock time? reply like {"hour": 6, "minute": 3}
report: {"hour": 3, "minute": 31}
